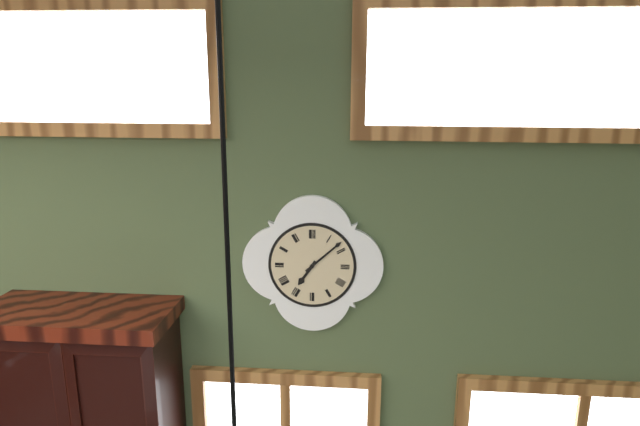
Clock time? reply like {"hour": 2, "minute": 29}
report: {"hour": 7, "minute": 8}
